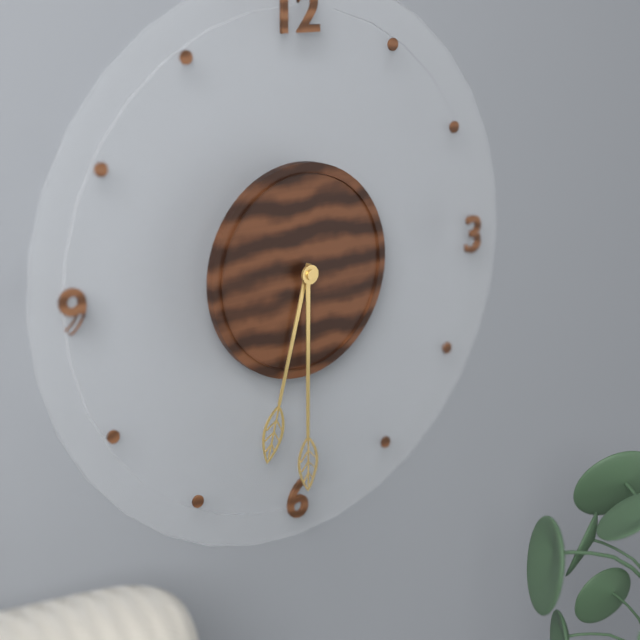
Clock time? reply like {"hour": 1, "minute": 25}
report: {"hour": 6, "minute": 30}
